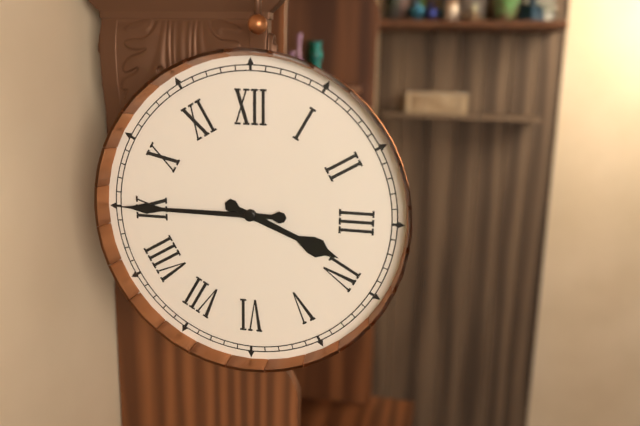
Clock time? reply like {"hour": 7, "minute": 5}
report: {"hour": 3, "minute": 45}
